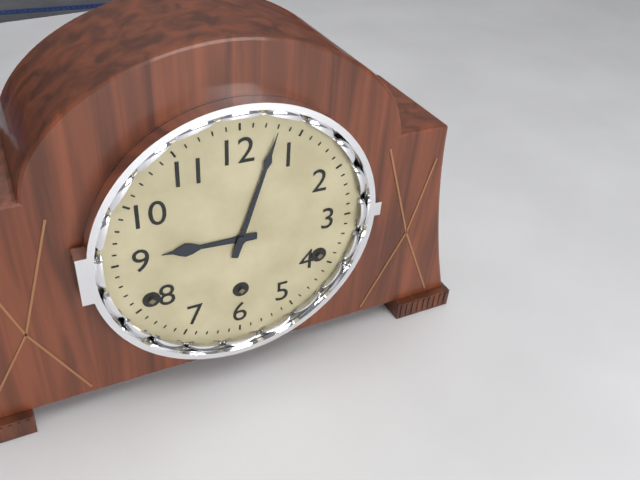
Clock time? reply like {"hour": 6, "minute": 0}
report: {"hour": 9, "minute": 3}
